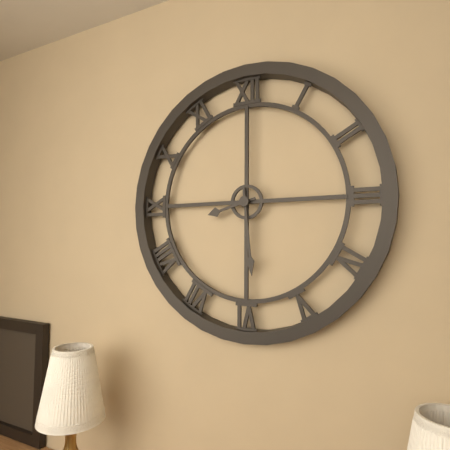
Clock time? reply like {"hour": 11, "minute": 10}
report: {"hour": 8, "minute": 29}
